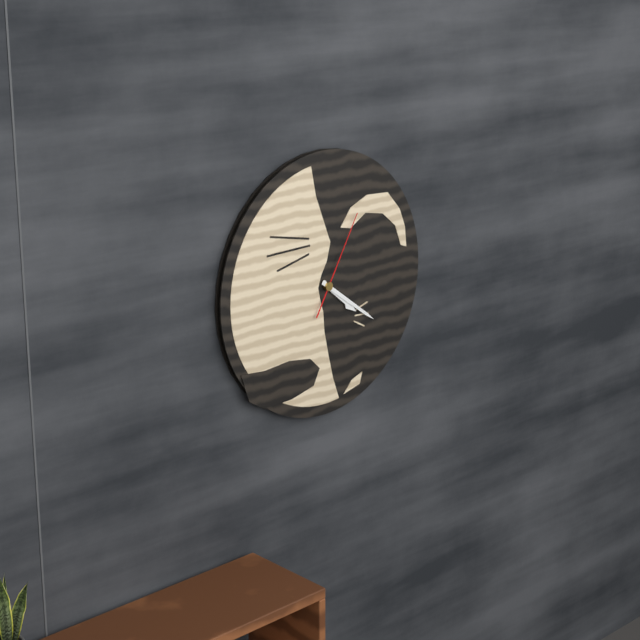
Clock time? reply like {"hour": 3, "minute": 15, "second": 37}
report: {"hour": 4, "minute": 21, "second": 5}
